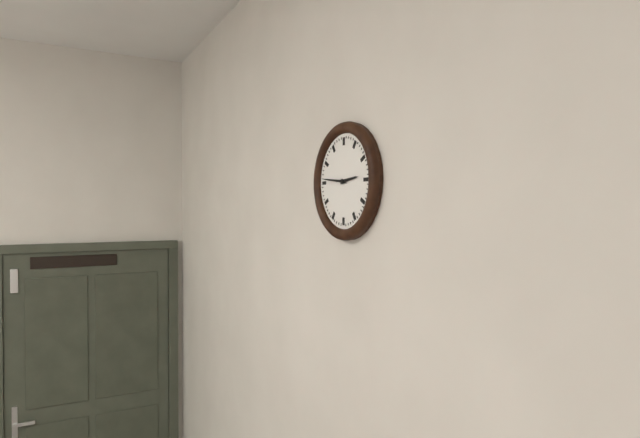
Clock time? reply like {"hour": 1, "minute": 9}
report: {"hour": 2, "minute": 46}
